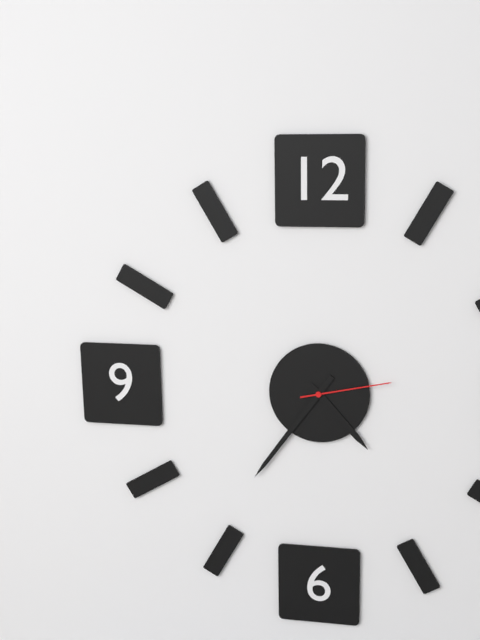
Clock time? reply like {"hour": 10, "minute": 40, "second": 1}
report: {"hour": 4, "minute": 36, "second": 13}
